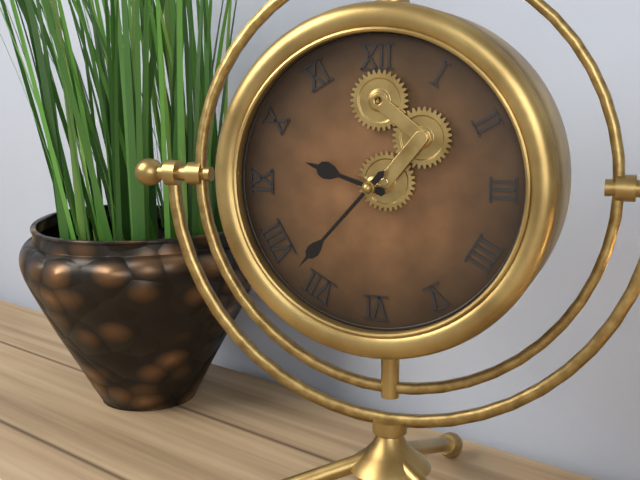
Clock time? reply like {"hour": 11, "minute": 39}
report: {"hour": 9, "minute": 37}
